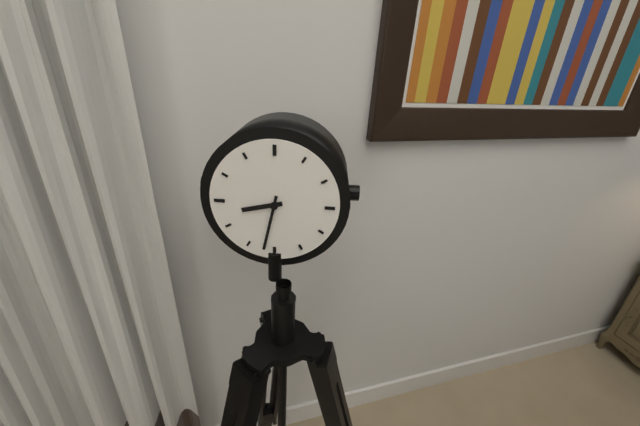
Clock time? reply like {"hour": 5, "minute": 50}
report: {"hour": 8, "minute": 32}
